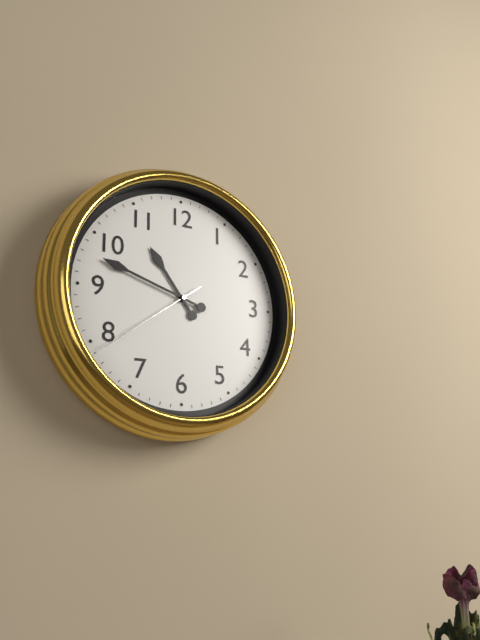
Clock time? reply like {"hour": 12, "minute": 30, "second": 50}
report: {"hour": 10, "minute": 48, "second": 39}
